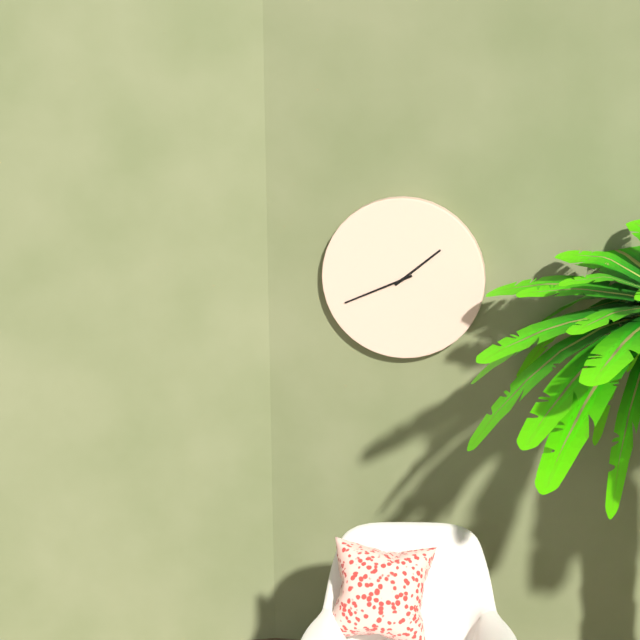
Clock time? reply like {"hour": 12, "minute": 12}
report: {"hour": 1, "minute": 41}
